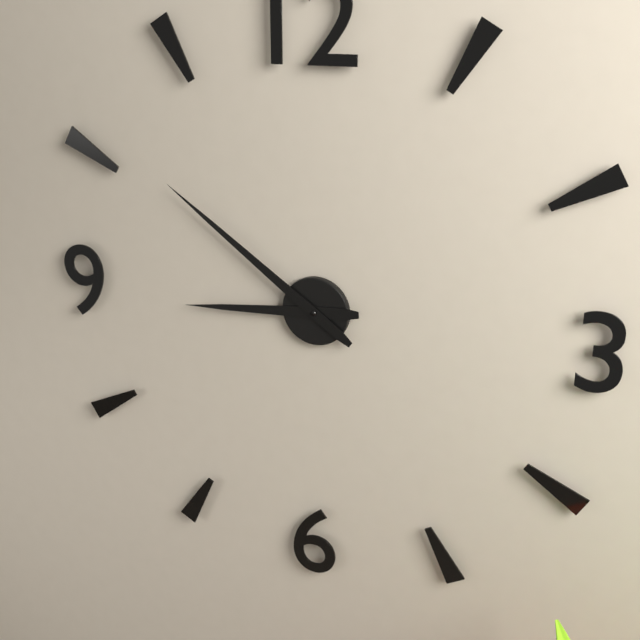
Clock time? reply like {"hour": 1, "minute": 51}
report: {"hour": 8, "minute": 51}
